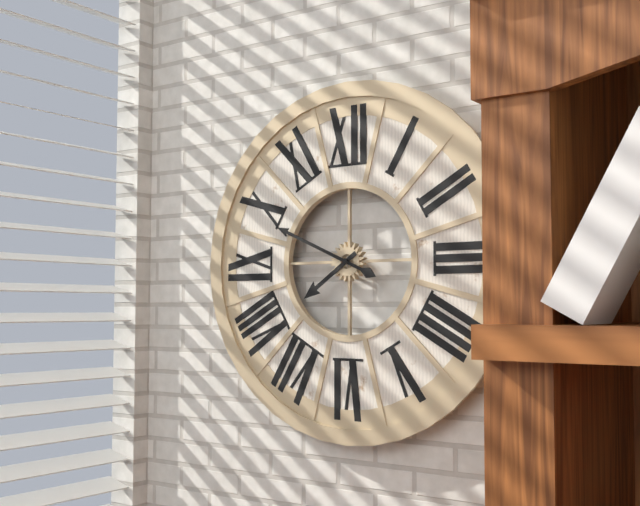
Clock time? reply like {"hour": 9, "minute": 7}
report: {"hour": 7, "minute": 49}
